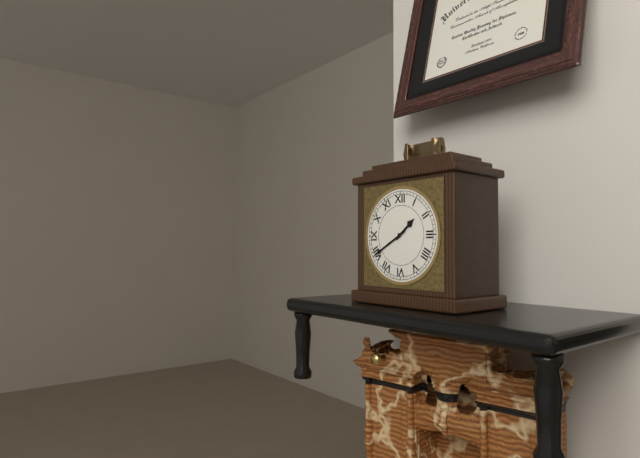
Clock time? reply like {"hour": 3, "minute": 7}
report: {"hour": 1, "minute": 40}
